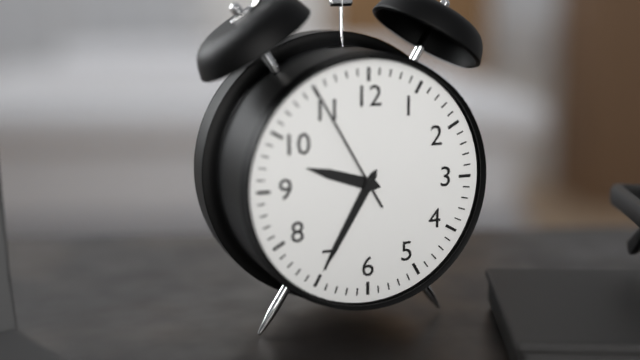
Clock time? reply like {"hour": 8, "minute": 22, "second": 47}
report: {"hour": 9, "minute": 35, "second": 55}
